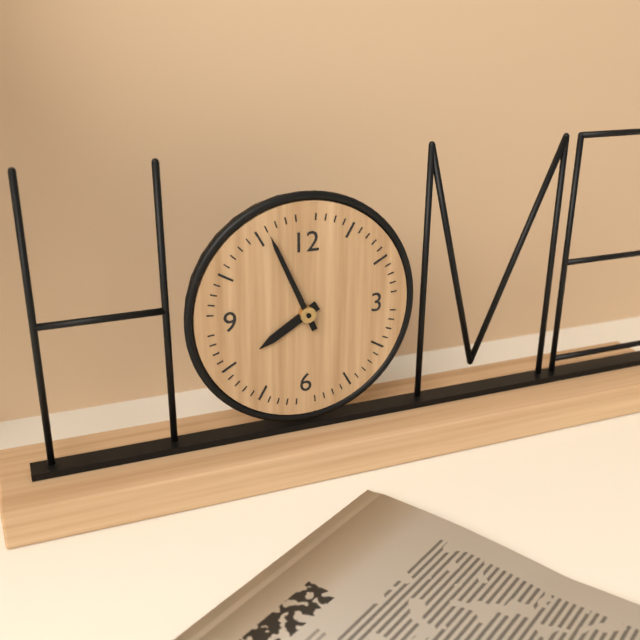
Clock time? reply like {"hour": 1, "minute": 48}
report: {"hour": 7, "minute": 56}
